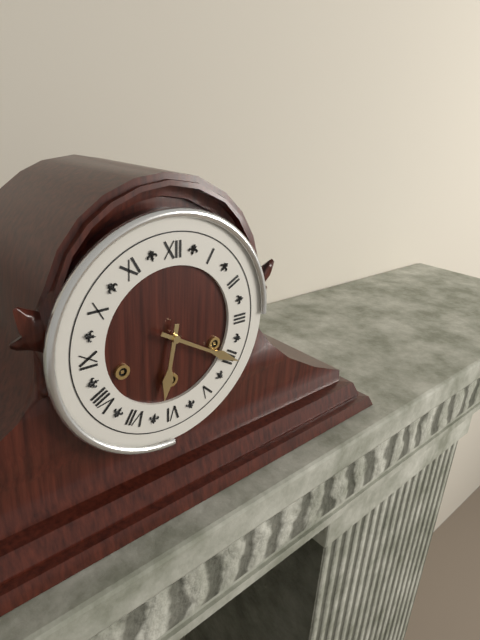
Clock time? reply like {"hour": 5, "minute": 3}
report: {"hour": 6, "minute": 20}
